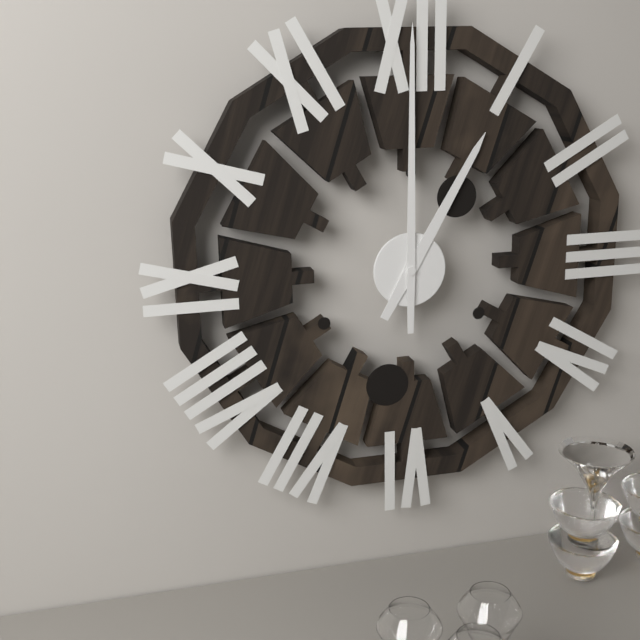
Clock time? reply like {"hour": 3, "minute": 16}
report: {"hour": 1, "minute": 0}
